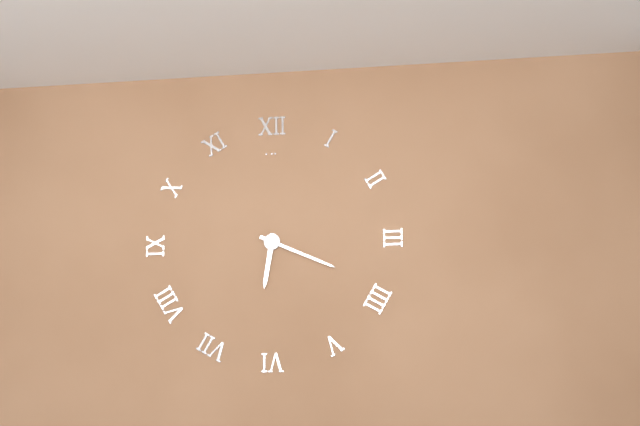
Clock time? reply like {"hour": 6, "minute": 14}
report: {"hour": 6, "minute": 19}
